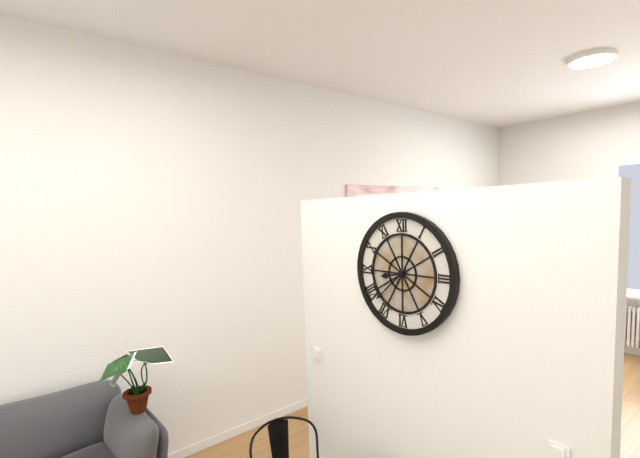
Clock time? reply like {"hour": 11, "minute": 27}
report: {"hour": 8, "minute": 38}
